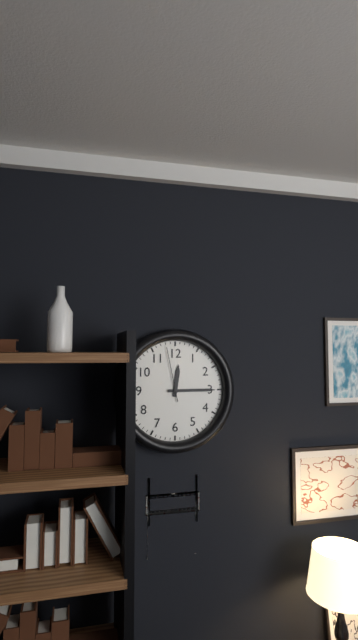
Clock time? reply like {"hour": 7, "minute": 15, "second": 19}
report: {"hour": 12, "minute": 15, "second": 58}
